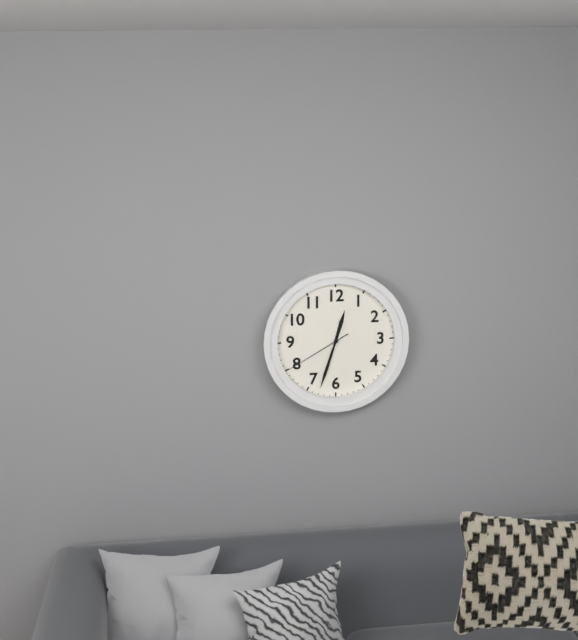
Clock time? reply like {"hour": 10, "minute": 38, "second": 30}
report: {"hour": 12, "minute": 33, "second": 40}
